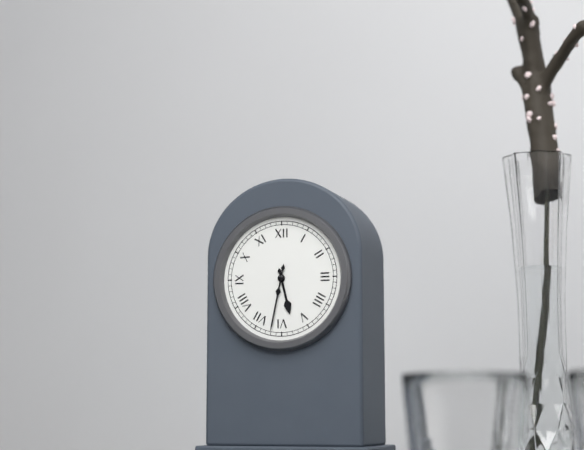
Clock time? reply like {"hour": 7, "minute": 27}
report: {"hour": 5, "minute": 32}
